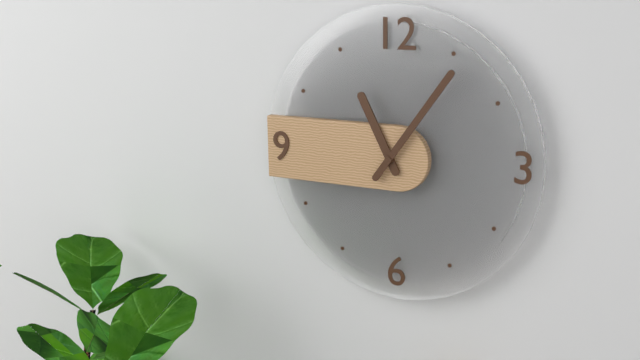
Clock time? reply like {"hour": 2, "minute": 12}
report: {"hour": 11, "minute": 6}
